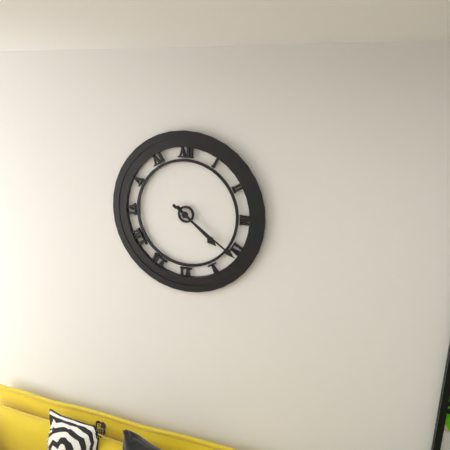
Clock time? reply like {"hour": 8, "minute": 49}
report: {"hour": 4, "minute": 21}
